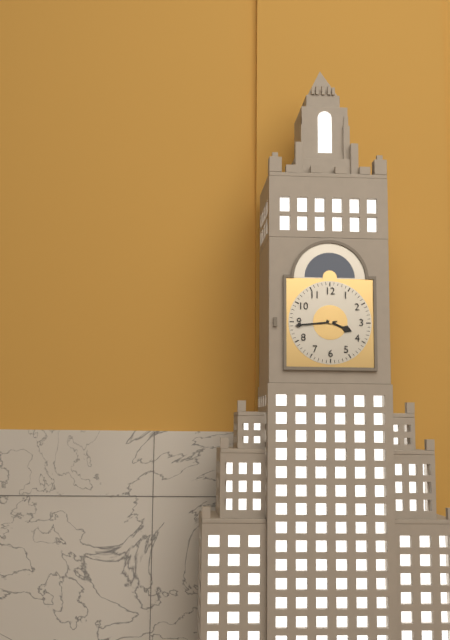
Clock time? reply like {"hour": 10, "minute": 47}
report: {"hour": 3, "minute": 44}
